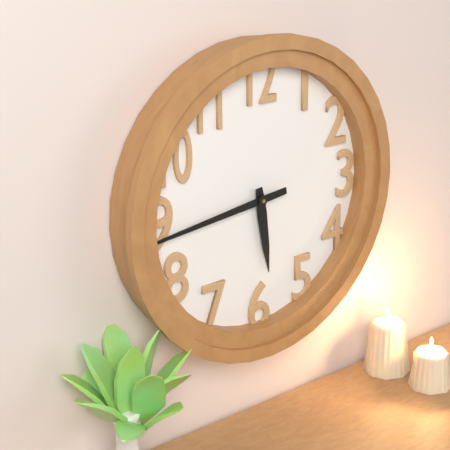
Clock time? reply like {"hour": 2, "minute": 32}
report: {"hour": 5, "minute": 44}
